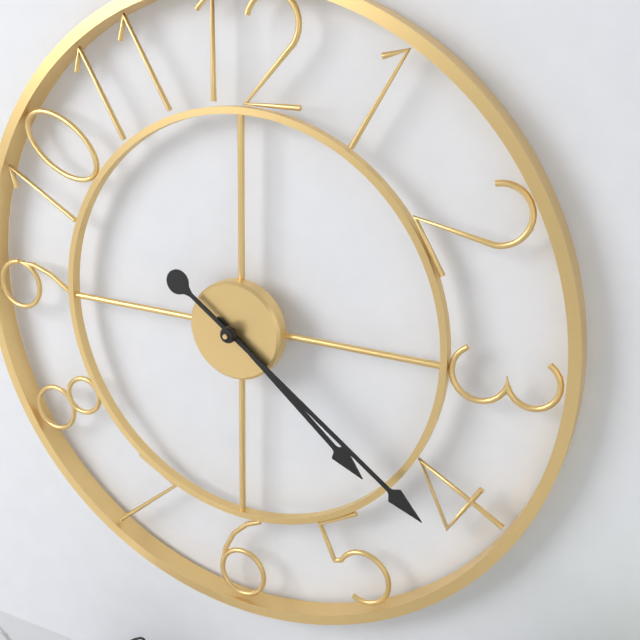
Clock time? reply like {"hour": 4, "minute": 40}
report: {"hour": 4, "minute": 21}
